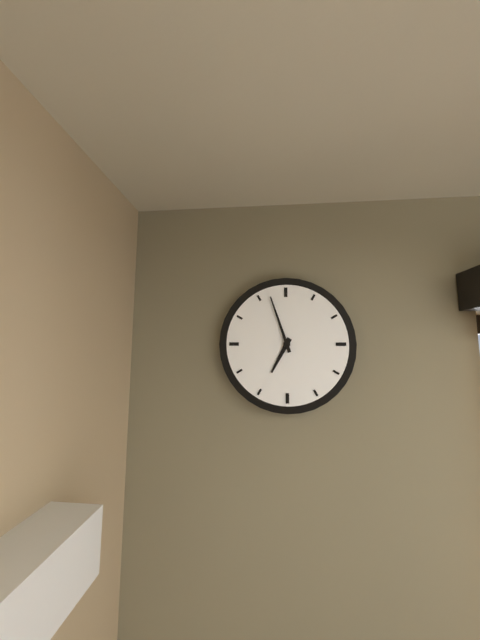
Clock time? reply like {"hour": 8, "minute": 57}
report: {"hour": 6, "minute": 57}
